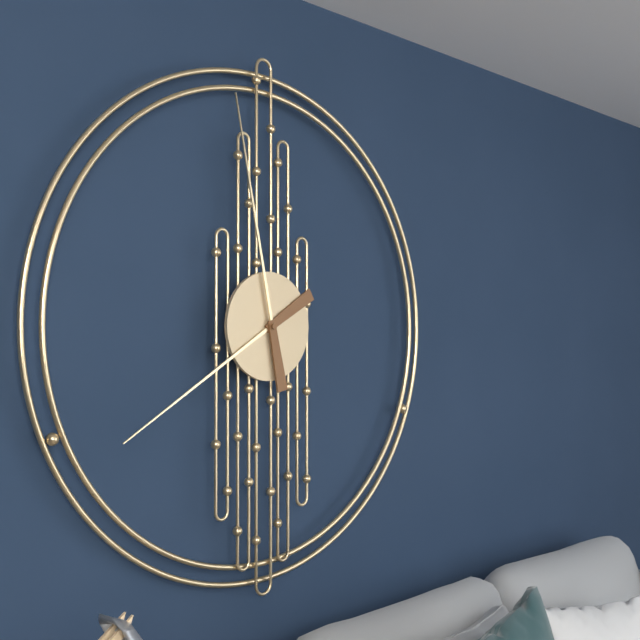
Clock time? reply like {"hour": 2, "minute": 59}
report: {"hour": 7, "minute": 58}
